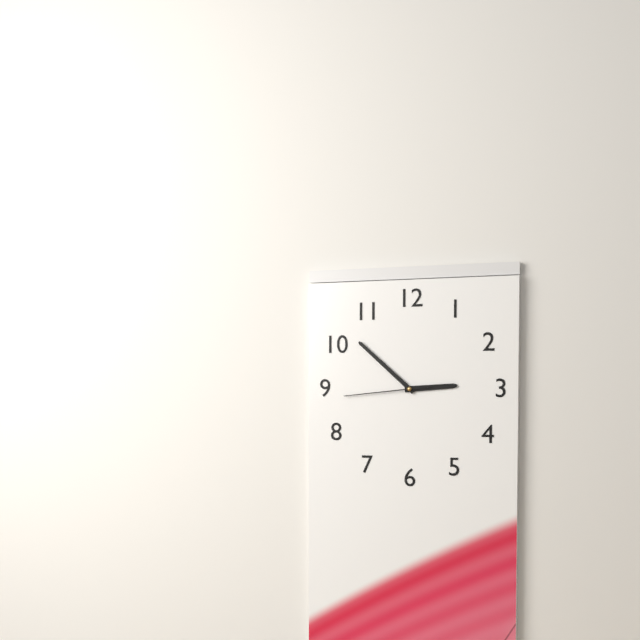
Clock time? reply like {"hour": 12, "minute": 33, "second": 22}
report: {"hour": 2, "minute": 52, "second": 44}
